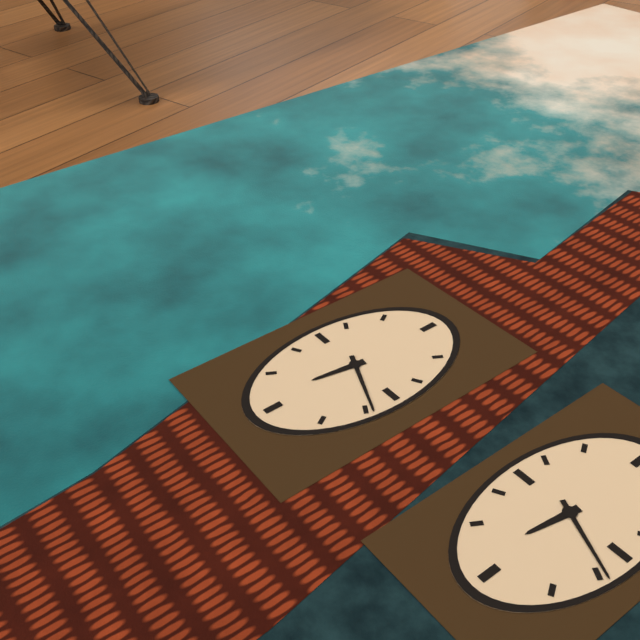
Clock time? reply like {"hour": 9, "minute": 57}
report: {"hour": 6, "minute": 19}
